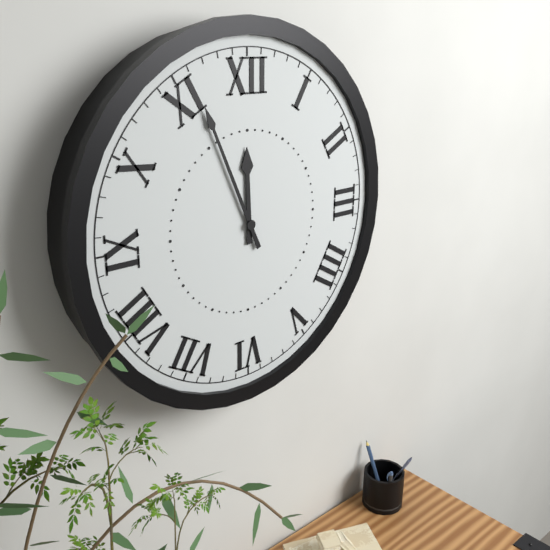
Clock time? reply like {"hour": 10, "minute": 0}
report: {"hour": 11, "minute": 56}
